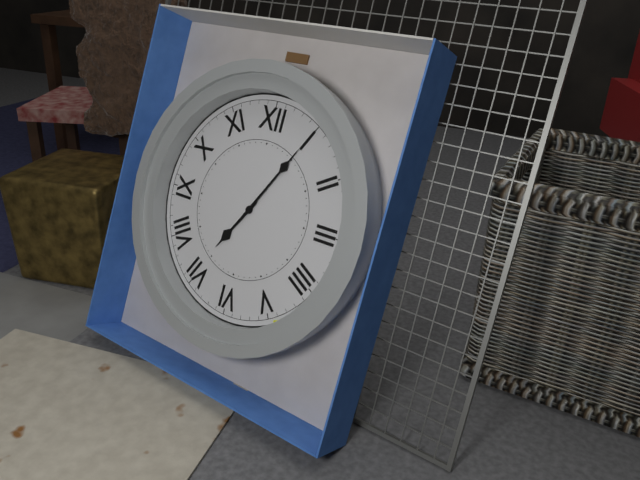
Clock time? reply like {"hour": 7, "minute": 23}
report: {"hour": 7, "minute": 5}
